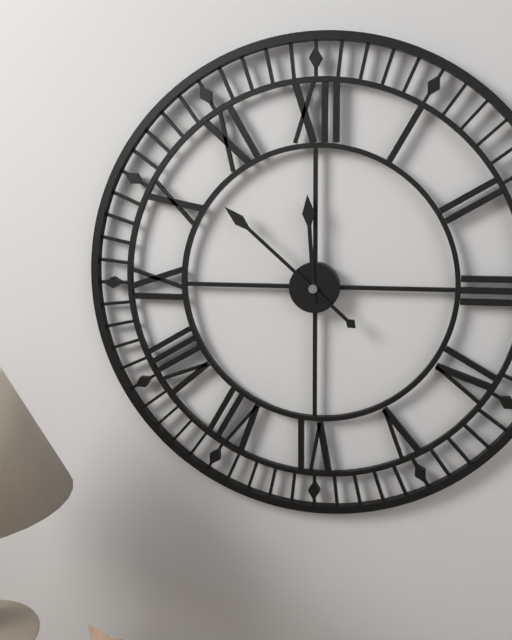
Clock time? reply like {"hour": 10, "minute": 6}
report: {"hour": 11, "minute": 52}
